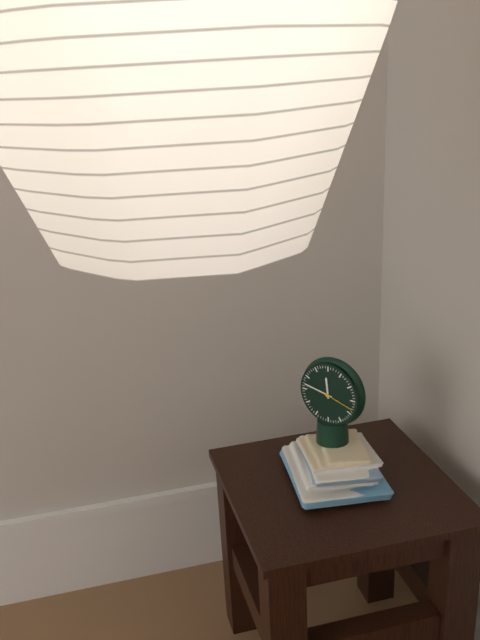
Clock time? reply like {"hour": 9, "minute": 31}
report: {"hour": 11, "minute": 47}
